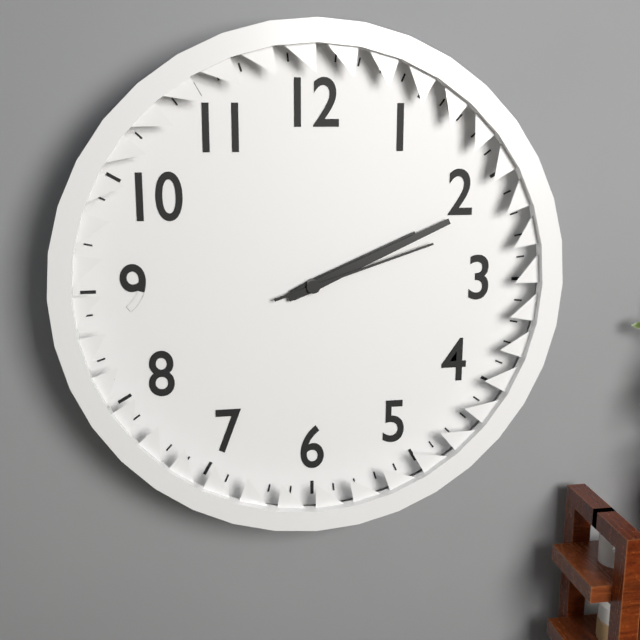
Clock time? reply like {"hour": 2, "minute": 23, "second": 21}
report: {"hour": 2, "minute": 11, "second": 12}
